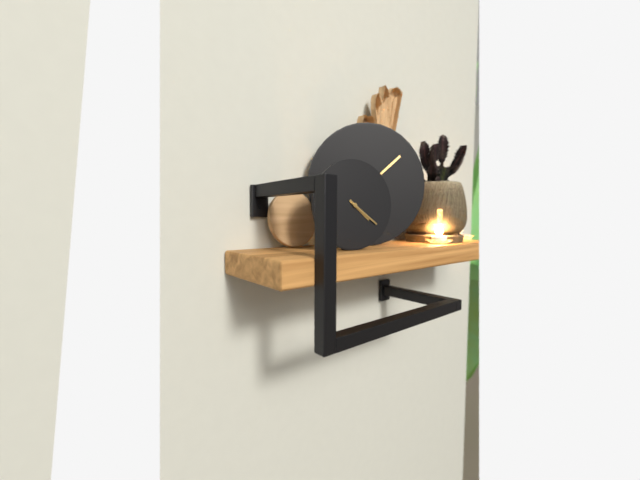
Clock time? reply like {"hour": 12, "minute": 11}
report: {"hour": 4, "minute": 21}
